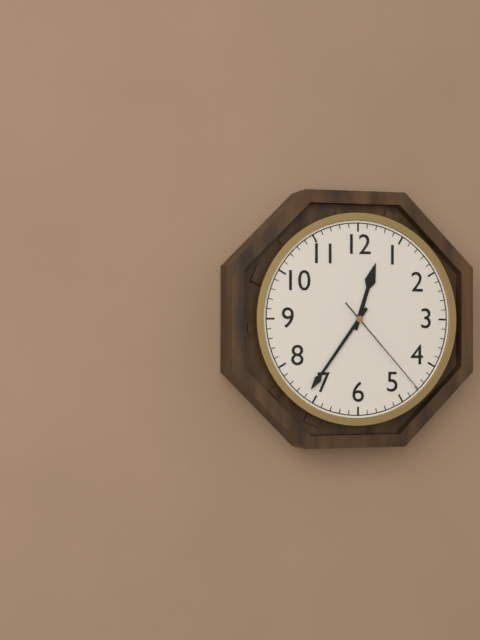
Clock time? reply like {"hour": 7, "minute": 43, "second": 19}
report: {"hour": 12, "minute": 36, "second": 23}
